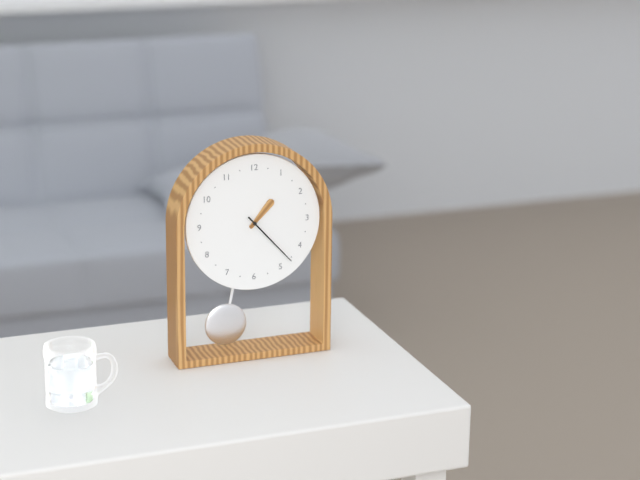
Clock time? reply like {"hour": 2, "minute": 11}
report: {"hour": 1, "minute": 23}
